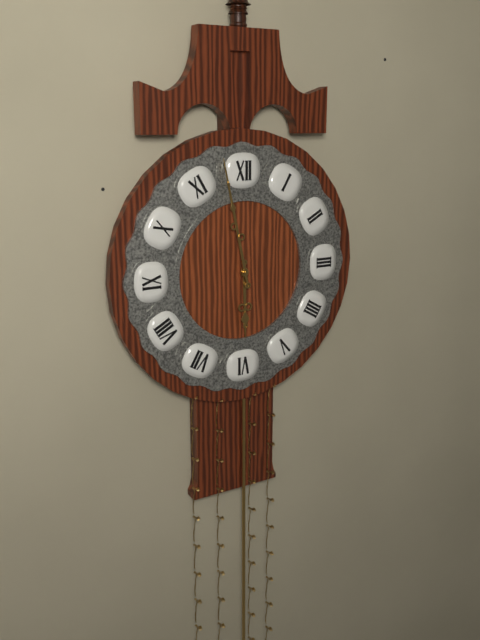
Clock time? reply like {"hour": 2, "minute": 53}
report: {"hour": 5, "minute": 58}
